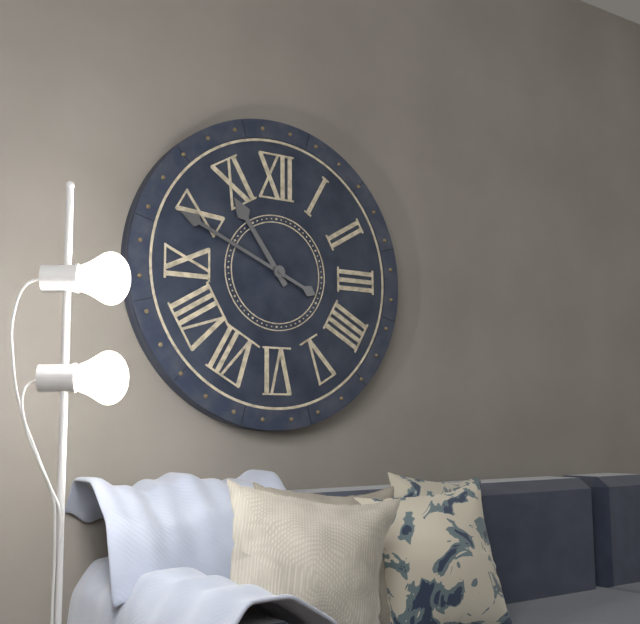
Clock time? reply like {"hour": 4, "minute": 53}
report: {"hour": 10, "minute": 49}
